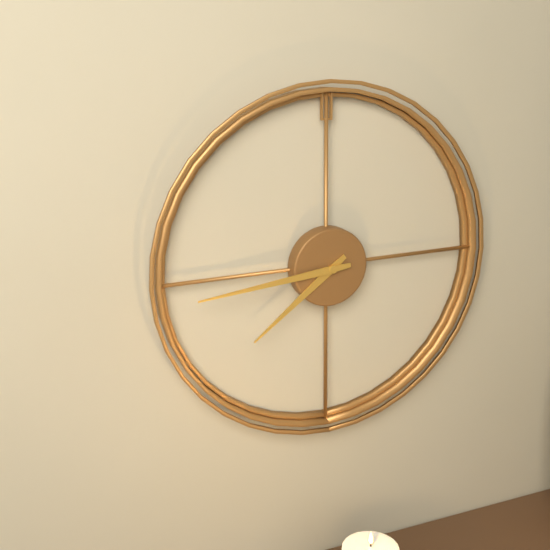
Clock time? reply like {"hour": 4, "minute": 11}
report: {"hour": 7, "minute": 44}
